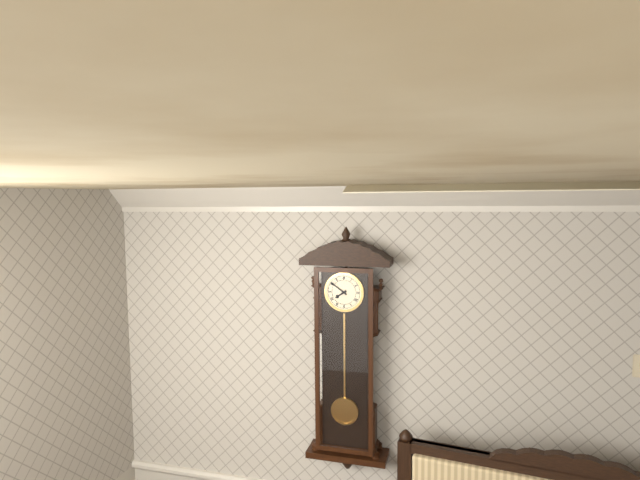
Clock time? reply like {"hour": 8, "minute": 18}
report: {"hour": 7, "minute": 51}
